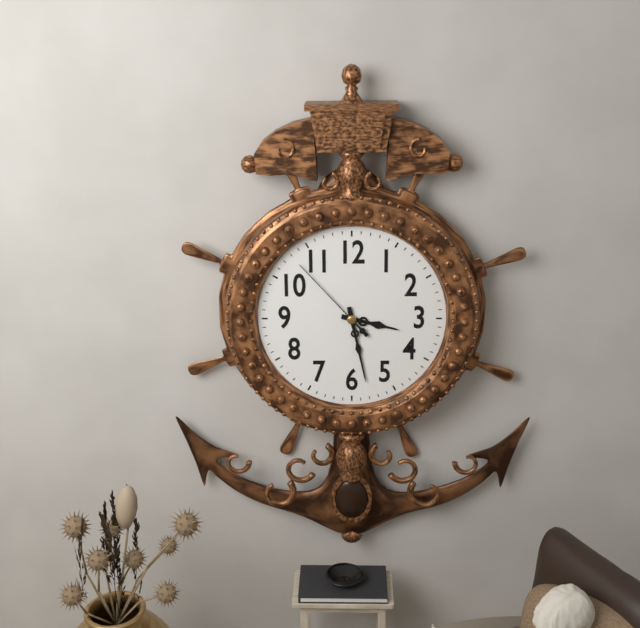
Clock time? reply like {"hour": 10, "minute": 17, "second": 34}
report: {"hour": 3, "minute": 28, "second": 53}
